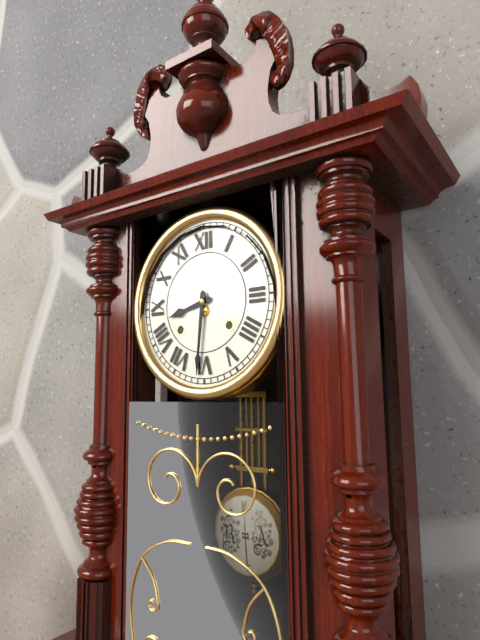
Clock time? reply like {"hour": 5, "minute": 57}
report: {"hour": 8, "minute": 31}
